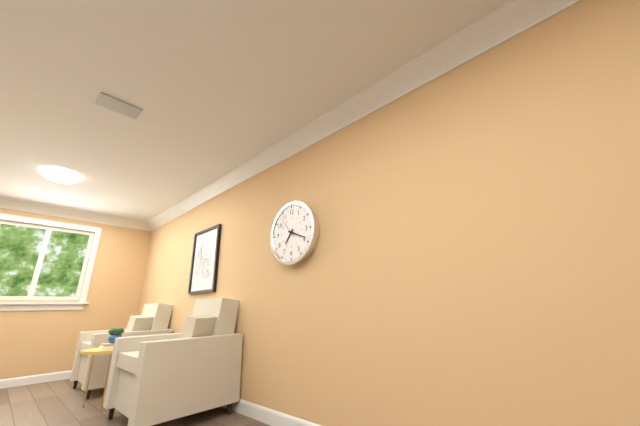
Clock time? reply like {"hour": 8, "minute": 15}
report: {"hour": 7, "minute": 19}
